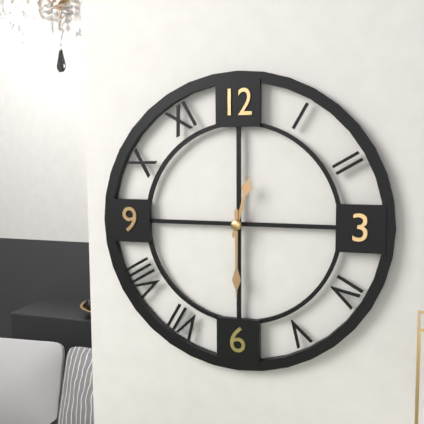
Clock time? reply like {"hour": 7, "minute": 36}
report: {"hour": 12, "minute": 30}
